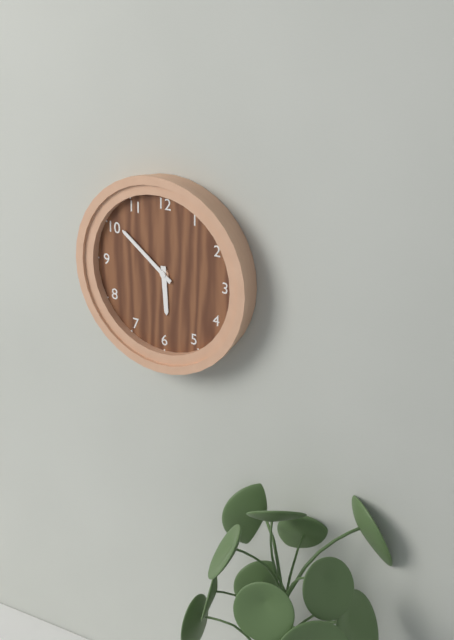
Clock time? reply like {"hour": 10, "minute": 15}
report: {"hour": 5, "minute": 51}
